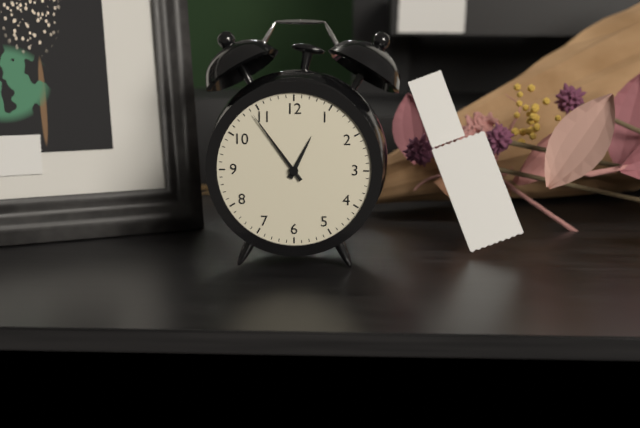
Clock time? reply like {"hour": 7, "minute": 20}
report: {"hour": 12, "minute": 54}
